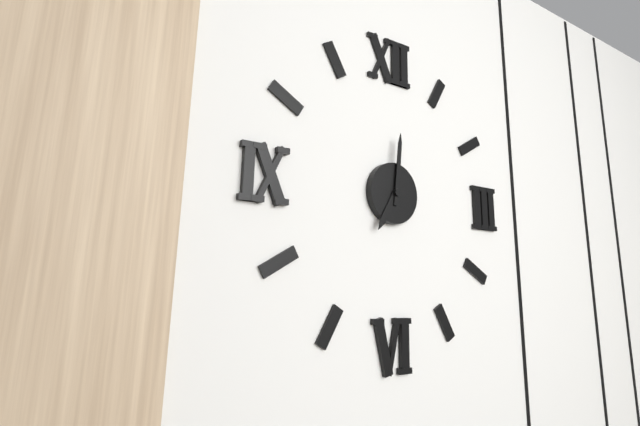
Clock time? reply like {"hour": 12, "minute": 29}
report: {"hour": 7, "minute": 1}
